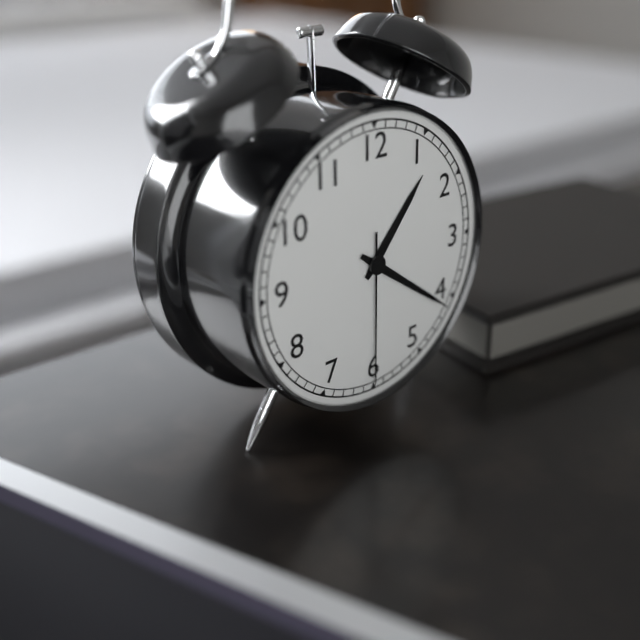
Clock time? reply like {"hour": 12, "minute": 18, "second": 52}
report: {"hour": 1, "minute": 21, "second": 30}
